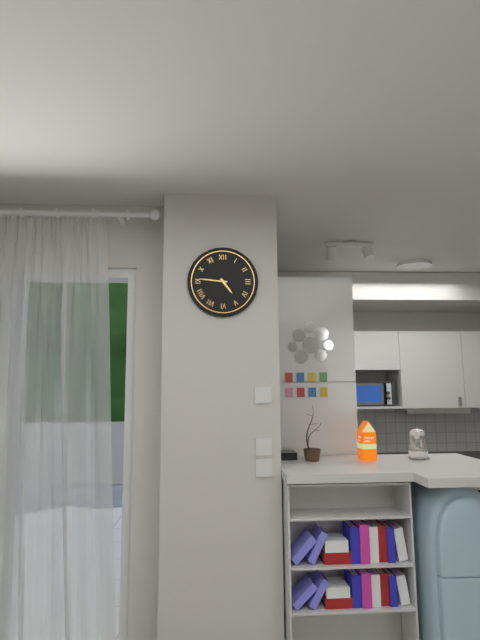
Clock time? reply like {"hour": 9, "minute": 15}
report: {"hour": 4, "minute": 46}
